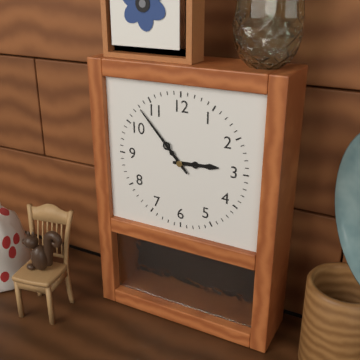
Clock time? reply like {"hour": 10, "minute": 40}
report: {"hour": 2, "minute": 53}
